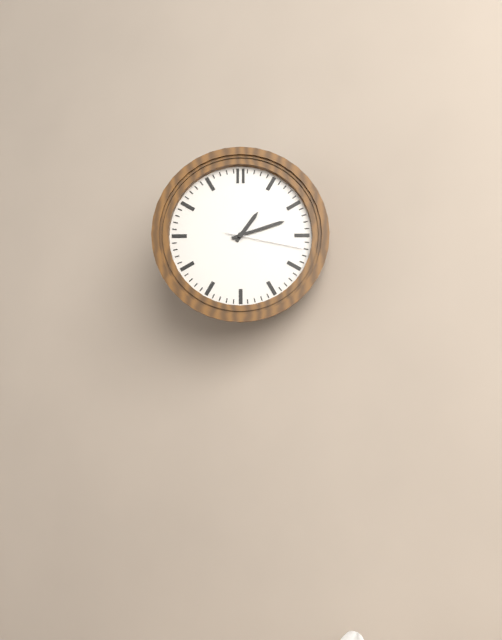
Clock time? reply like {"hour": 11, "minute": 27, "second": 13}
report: {"hour": 1, "minute": 12, "second": 17}
